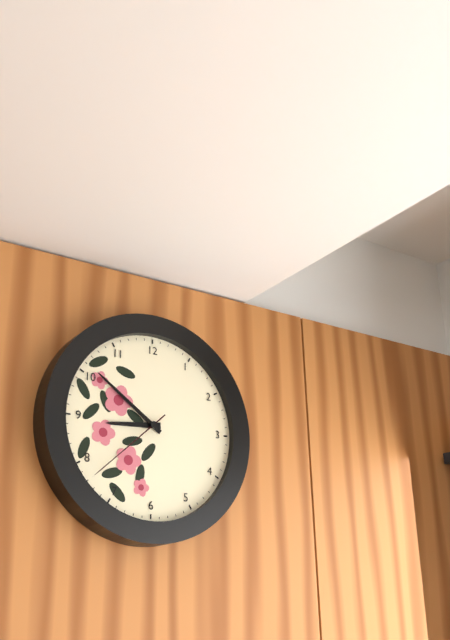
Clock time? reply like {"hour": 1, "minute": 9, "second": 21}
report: {"hour": 8, "minute": 51, "second": 38}
